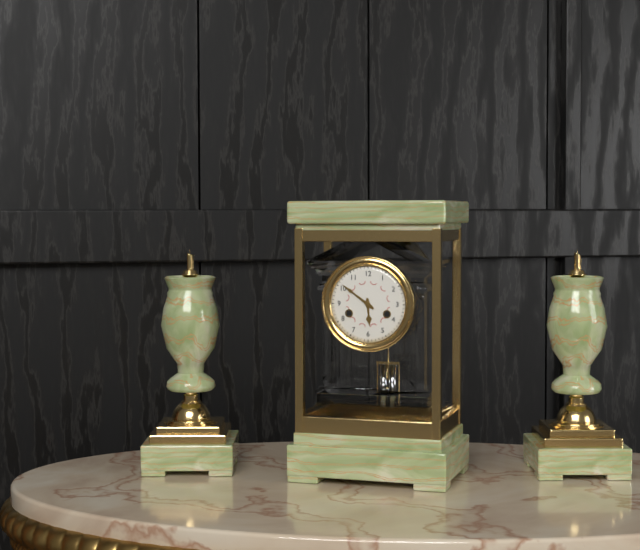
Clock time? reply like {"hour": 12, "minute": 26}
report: {"hour": 5, "minute": 51}
